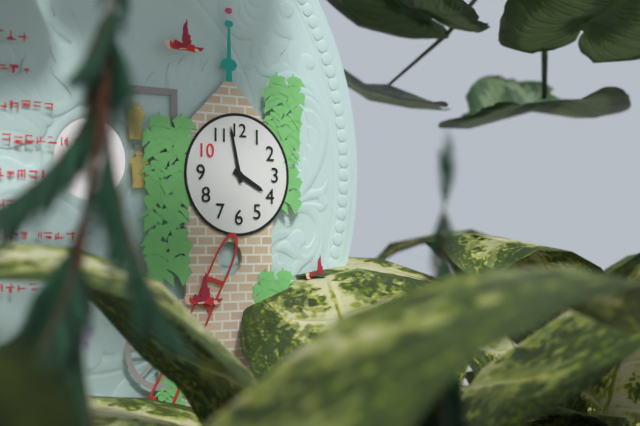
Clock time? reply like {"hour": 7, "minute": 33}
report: {"hour": 3, "minute": 58}
